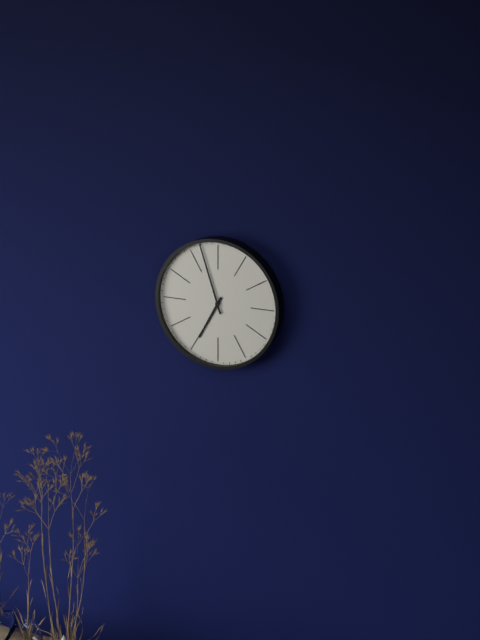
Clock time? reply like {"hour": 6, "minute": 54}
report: {"hour": 6, "minute": 57}
